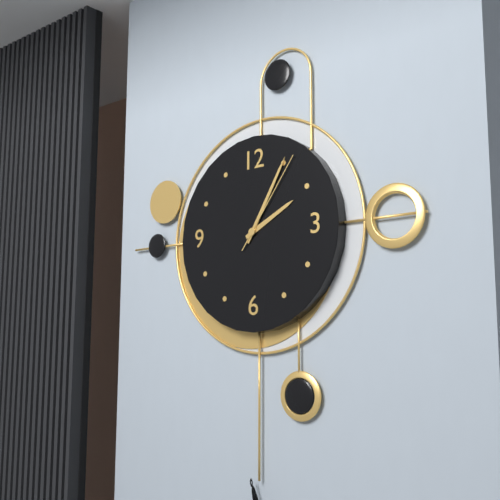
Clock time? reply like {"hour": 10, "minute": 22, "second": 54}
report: {"hour": 2, "minute": 5, "second": 6}
